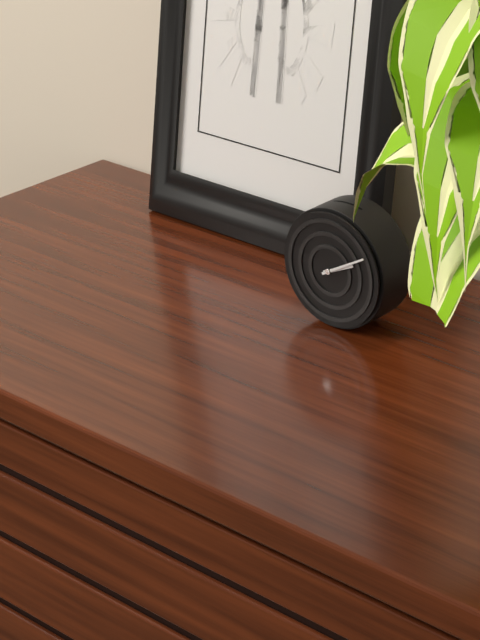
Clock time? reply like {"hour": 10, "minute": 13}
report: {"hour": 2, "minute": 10}
